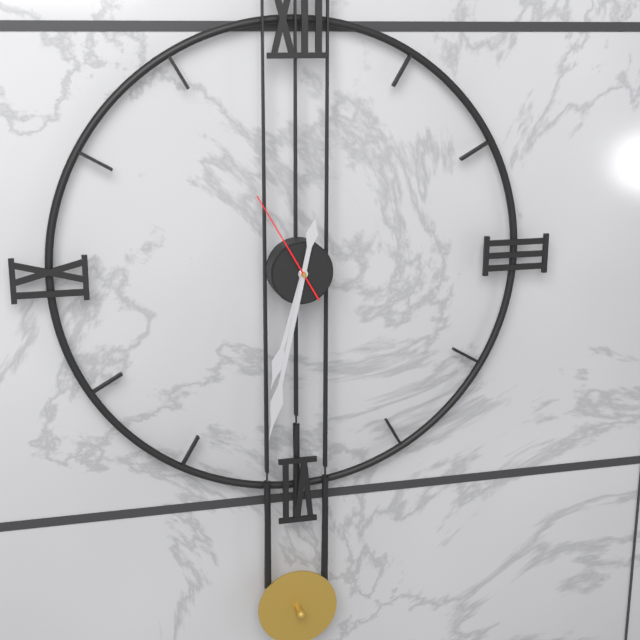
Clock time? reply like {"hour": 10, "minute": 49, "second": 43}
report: {"hour": 6, "minute": 32, "second": 55}
